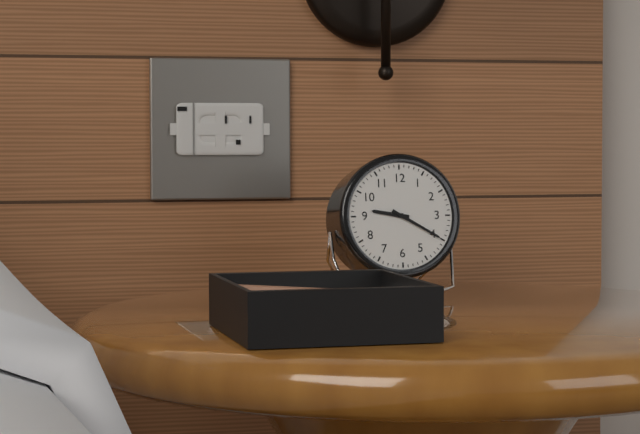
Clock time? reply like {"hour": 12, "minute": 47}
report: {"hour": 9, "minute": 20}
